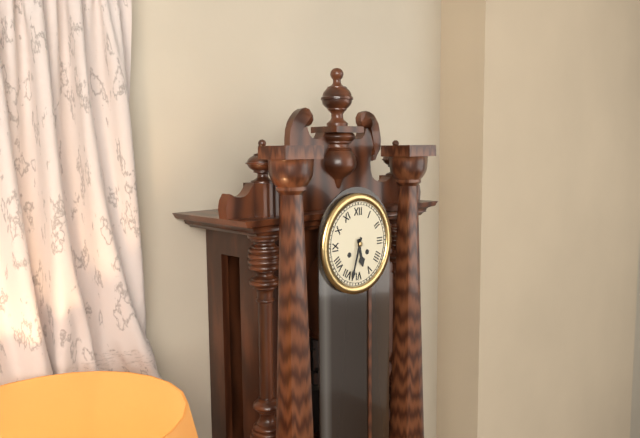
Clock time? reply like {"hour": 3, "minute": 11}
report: {"hour": 5, "minute": 33}
